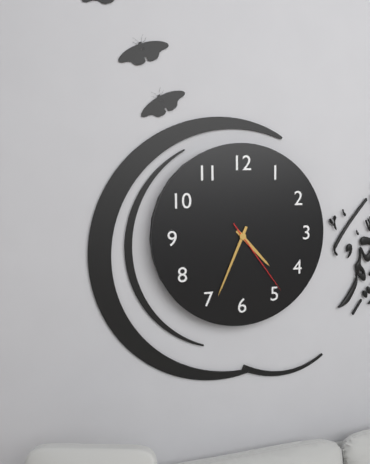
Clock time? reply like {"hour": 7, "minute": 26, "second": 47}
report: {"hour": 4, "minute": 34, "second": 24}
